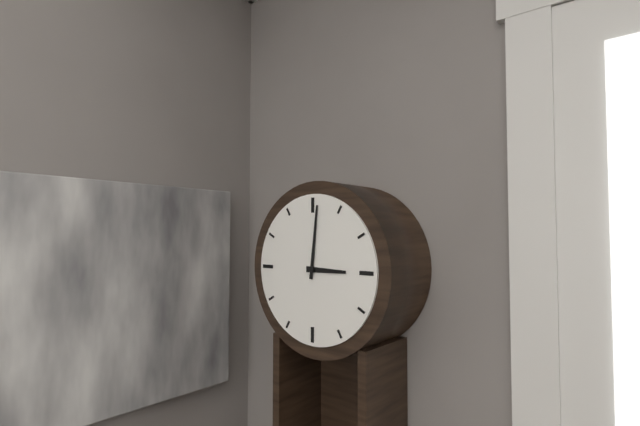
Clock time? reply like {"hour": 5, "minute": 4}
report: {"hour": 3, "minute": 1}
